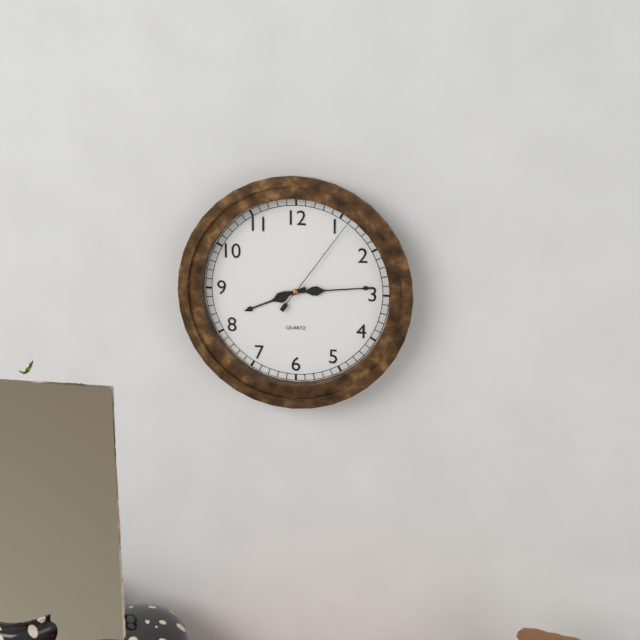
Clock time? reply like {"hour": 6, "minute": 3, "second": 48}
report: {"hour": 8, "minute": 14, "second": 6}
